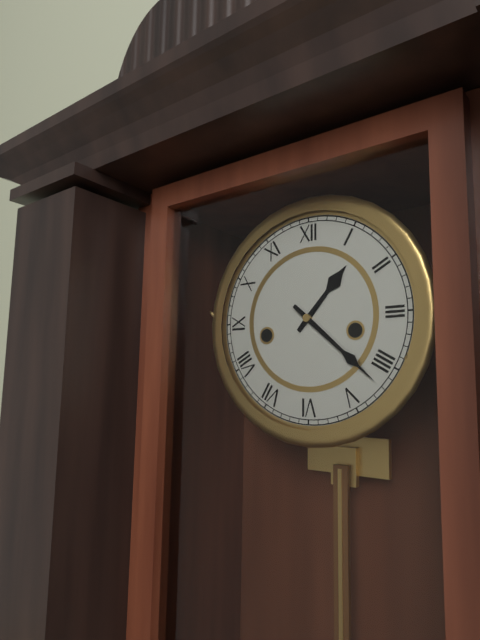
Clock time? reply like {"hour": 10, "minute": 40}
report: {"hour": 1, "minute": 22}
